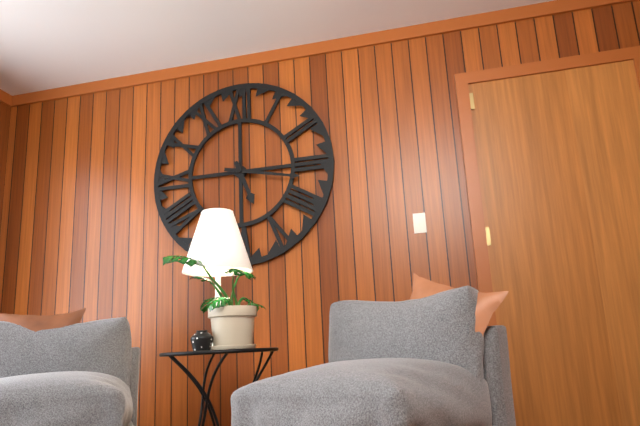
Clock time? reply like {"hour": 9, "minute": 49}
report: {"hour": 5, "minute": 17}
